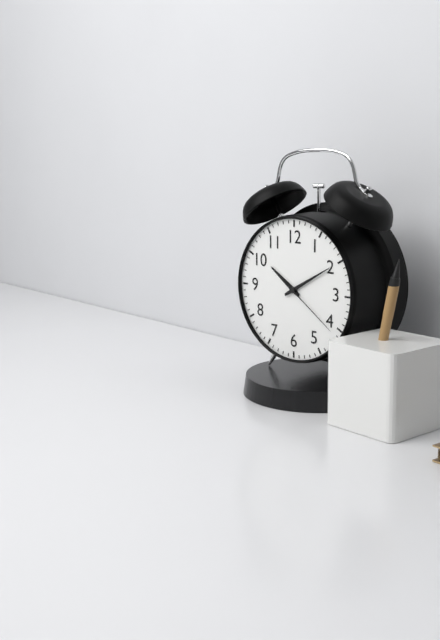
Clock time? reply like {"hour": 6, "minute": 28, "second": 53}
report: {"hour": 10, "minute": 10, "second": 21}
